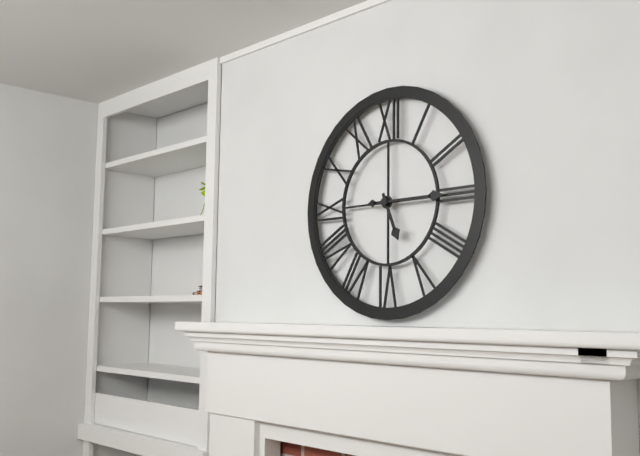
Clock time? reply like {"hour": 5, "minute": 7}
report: {"hour": 5, "minute": 15}
